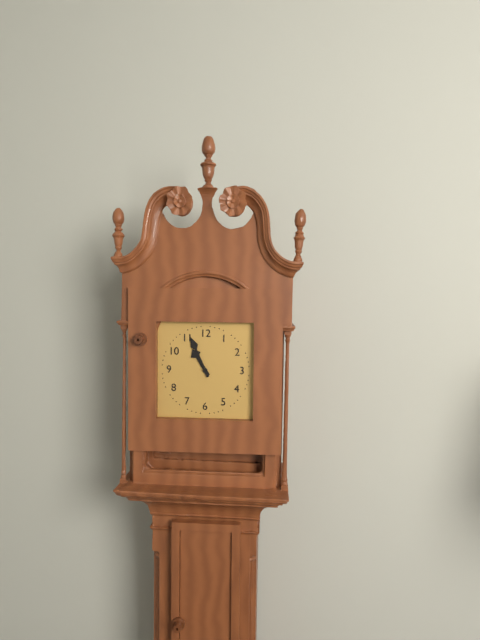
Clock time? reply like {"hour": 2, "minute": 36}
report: {"hour": 10, "minute": 56}
